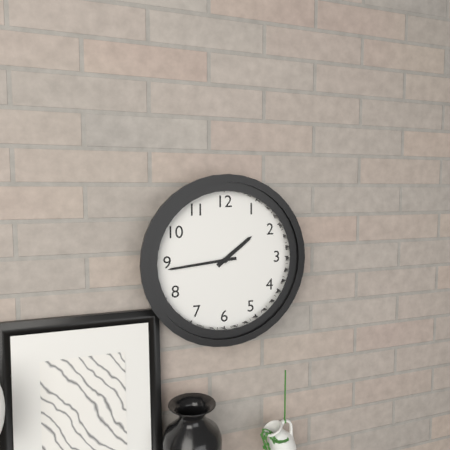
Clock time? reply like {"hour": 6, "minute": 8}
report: {"hour": 1, "minute": 44}
